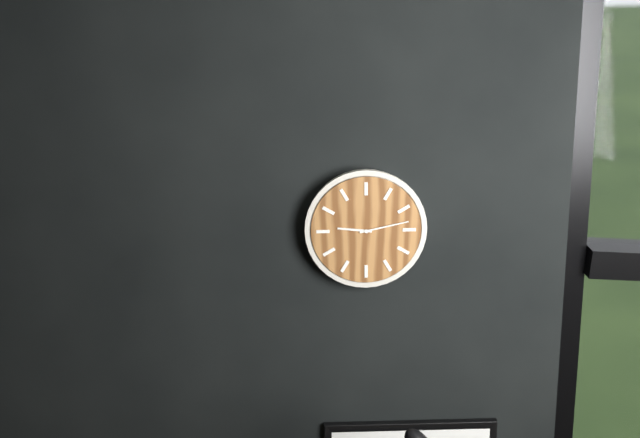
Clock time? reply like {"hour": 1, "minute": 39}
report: {"hour": 9, "minute": 13}
